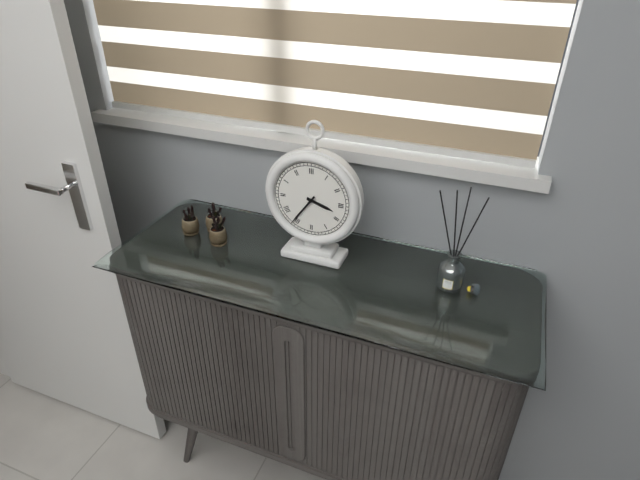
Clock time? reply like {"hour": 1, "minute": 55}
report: {"hour": 3, "minute": 36}
